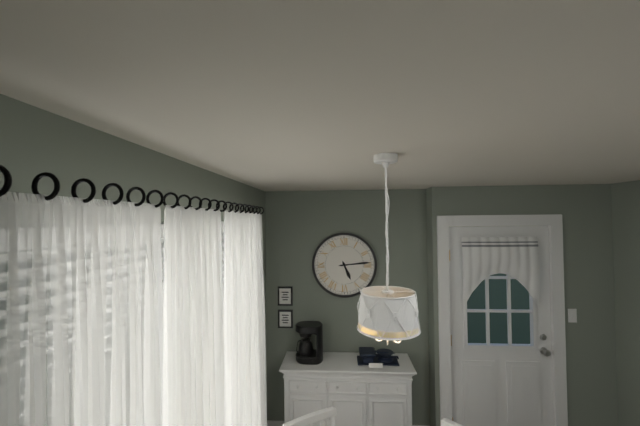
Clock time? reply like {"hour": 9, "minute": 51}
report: {"hour": 5, "minute": 14}
